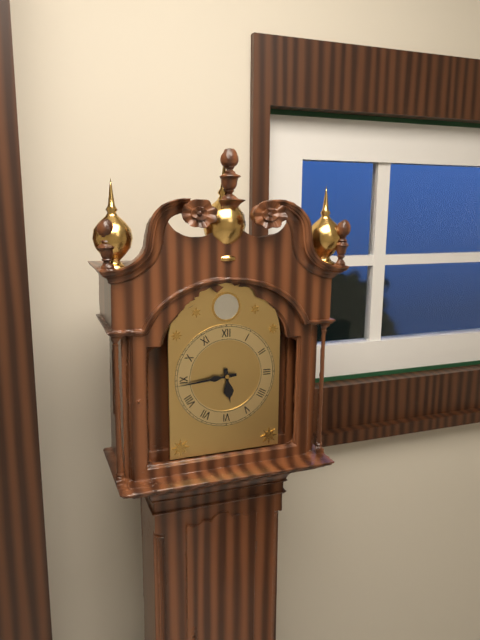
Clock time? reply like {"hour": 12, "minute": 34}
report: {"hour": 5, "minute": 44}
